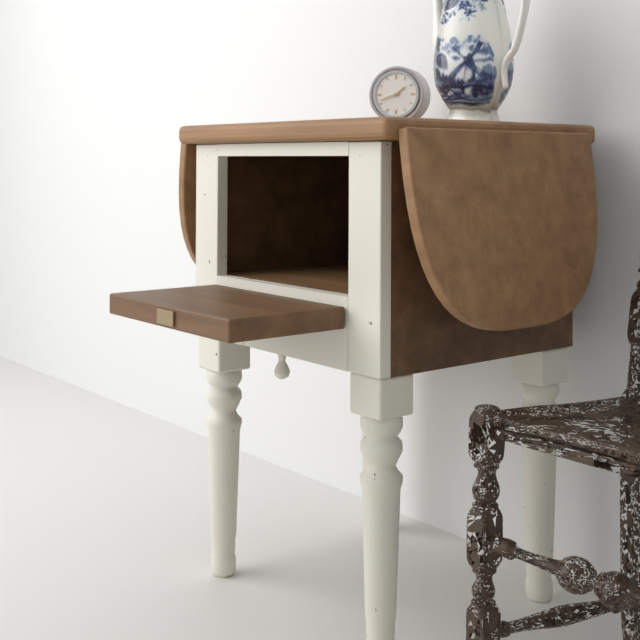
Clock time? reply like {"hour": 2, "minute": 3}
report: {"hour": 1, "minute": 42}
